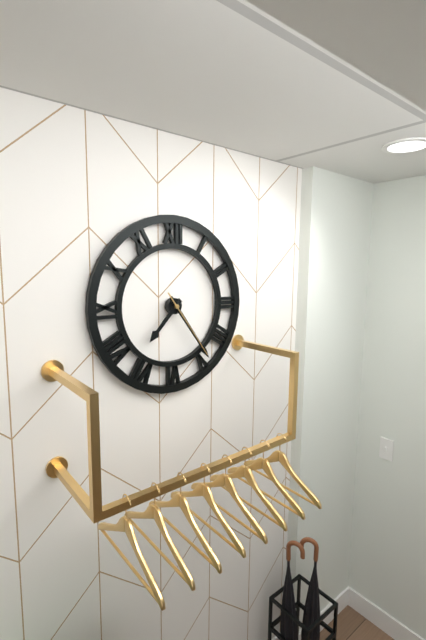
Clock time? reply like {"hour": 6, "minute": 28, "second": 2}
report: {"hour": 7, "minute": 24, "second": 24}
